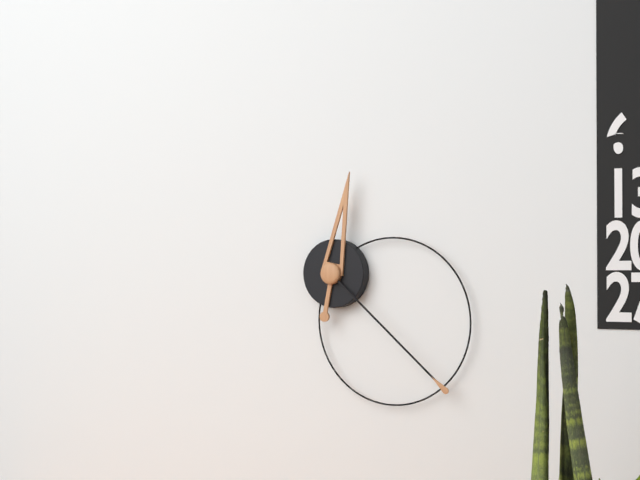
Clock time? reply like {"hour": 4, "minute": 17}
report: {"hour": 12, "minute": 22}
